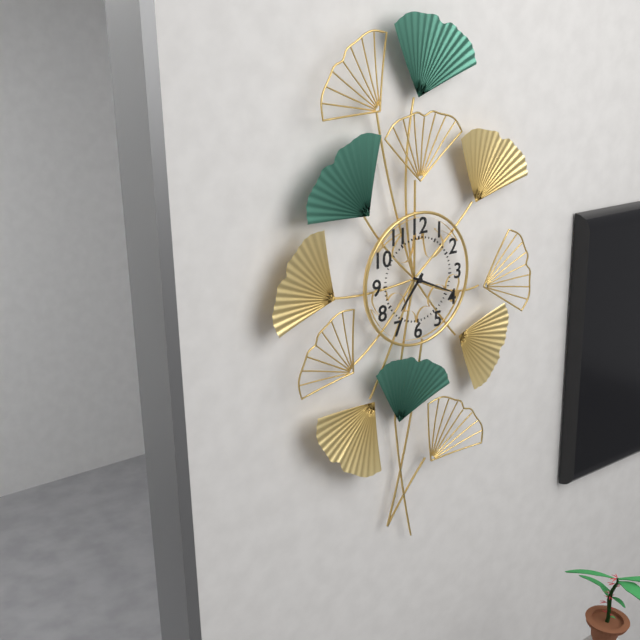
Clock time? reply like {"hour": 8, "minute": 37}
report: {"hour": 7, "minute": 19}
